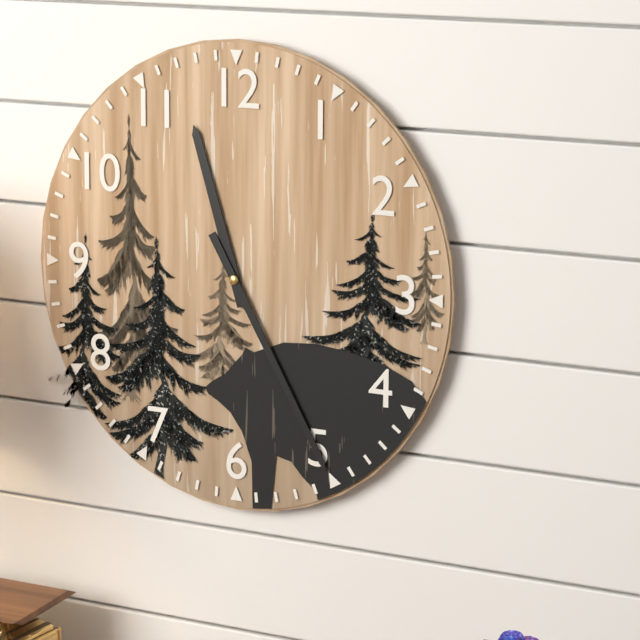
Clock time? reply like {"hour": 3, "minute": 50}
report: {"hour": 11, "minute": 25}
